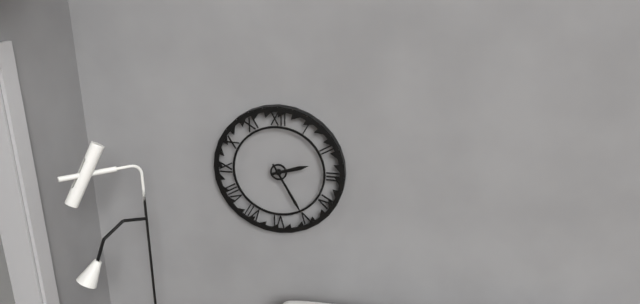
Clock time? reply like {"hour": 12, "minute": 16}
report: {"hour": 2, "minute": 25}
